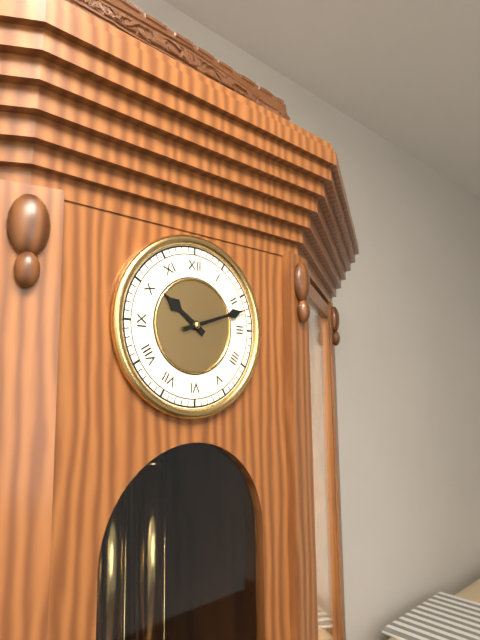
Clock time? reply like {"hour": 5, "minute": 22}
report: {"hour": 10, "minute": 12}
